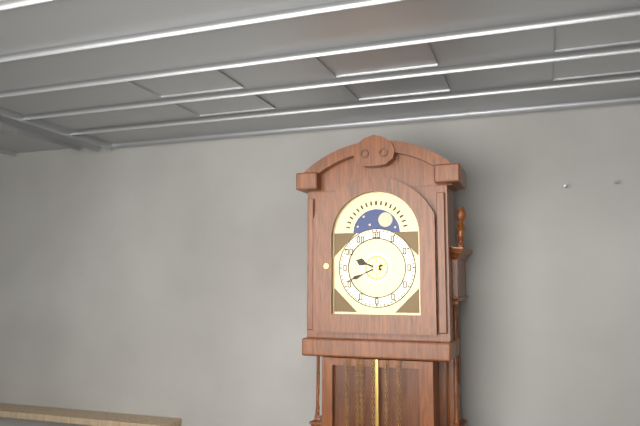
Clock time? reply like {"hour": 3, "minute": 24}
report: {"hour": 9, "minute": 41}
